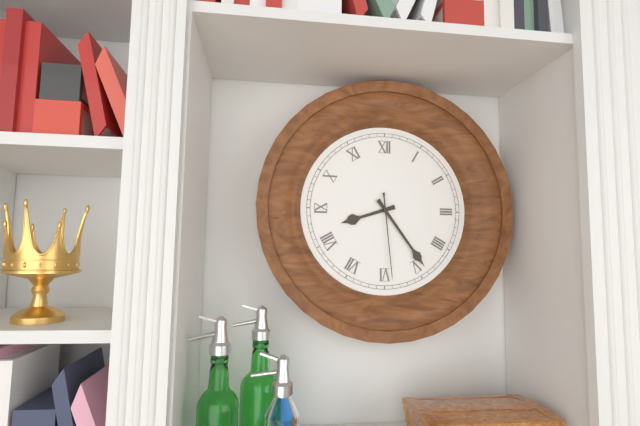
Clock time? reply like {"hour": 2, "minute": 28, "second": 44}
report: {"hour": 8, "minute": 24, "second": 29}
